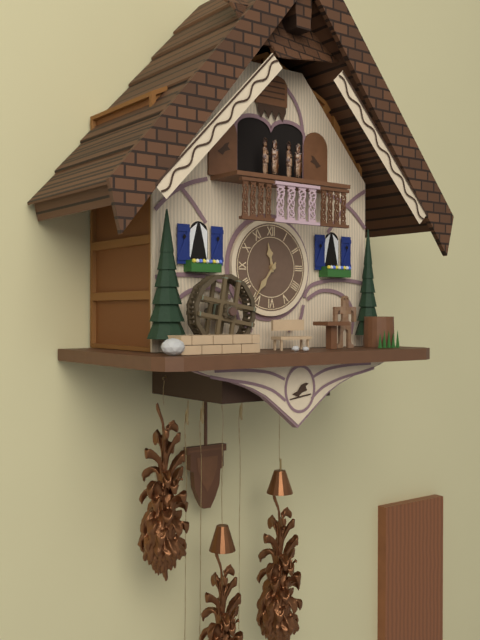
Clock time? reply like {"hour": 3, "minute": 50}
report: {"hour": 11, "minute": 36}
